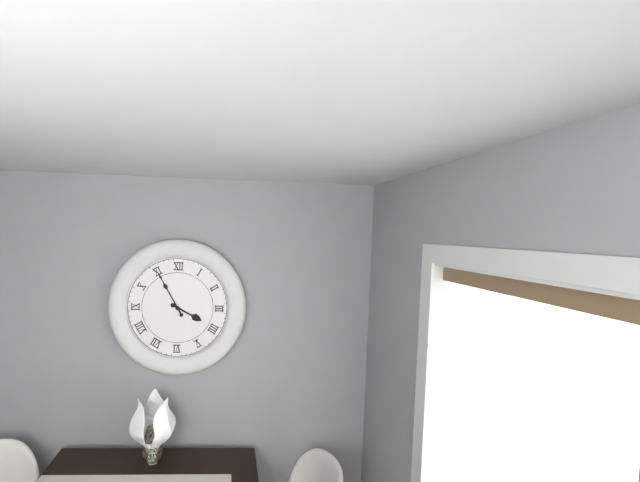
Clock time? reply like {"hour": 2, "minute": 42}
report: {"hour": 3, "minute": 55}
